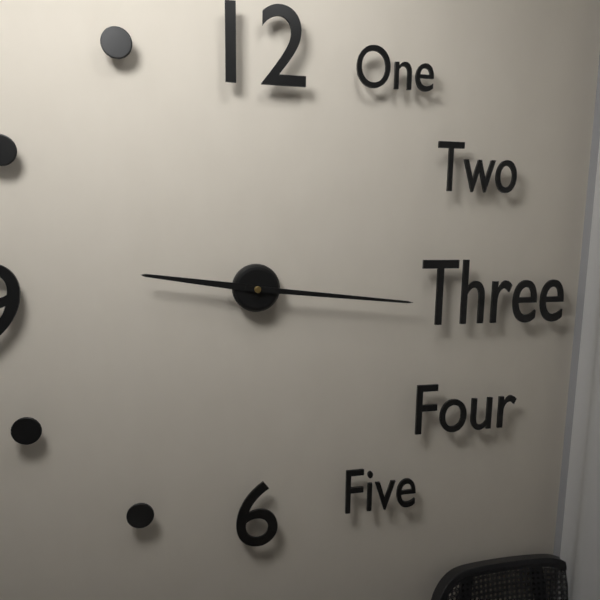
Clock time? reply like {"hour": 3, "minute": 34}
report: {"hour": 9, "minute": 16}
